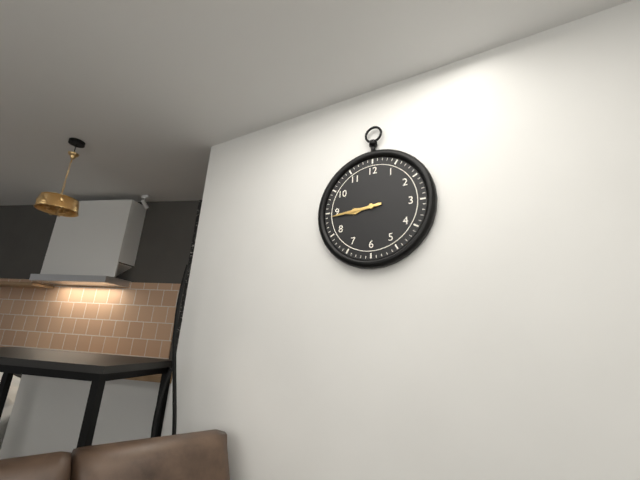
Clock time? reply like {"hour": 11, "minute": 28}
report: {"hour": 8, "minute": 44}
